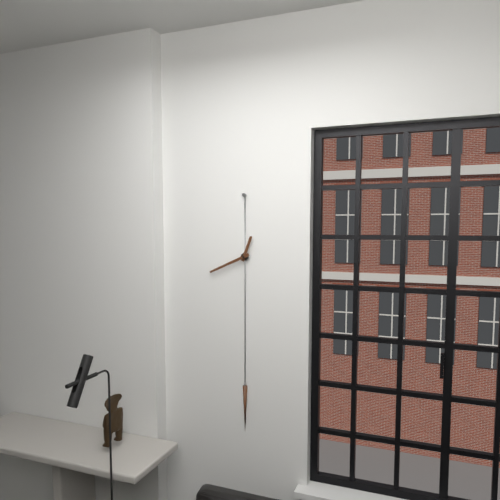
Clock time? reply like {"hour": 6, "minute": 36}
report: {"hour": 12, "minute": 41}
